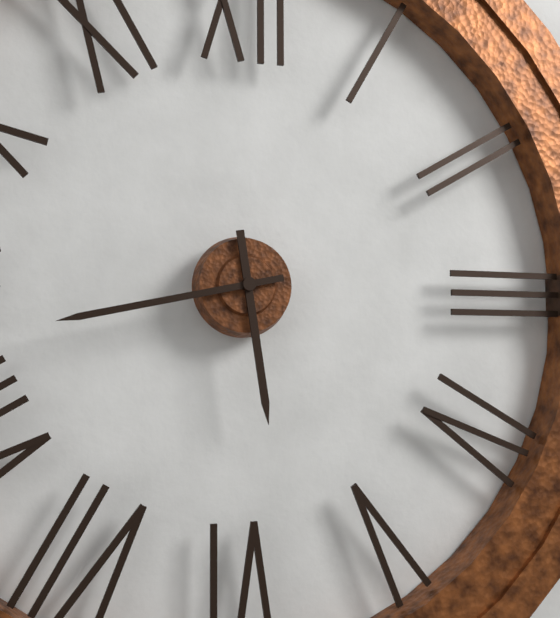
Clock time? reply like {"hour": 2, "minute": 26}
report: {"hour": 5, "minute": 43}
